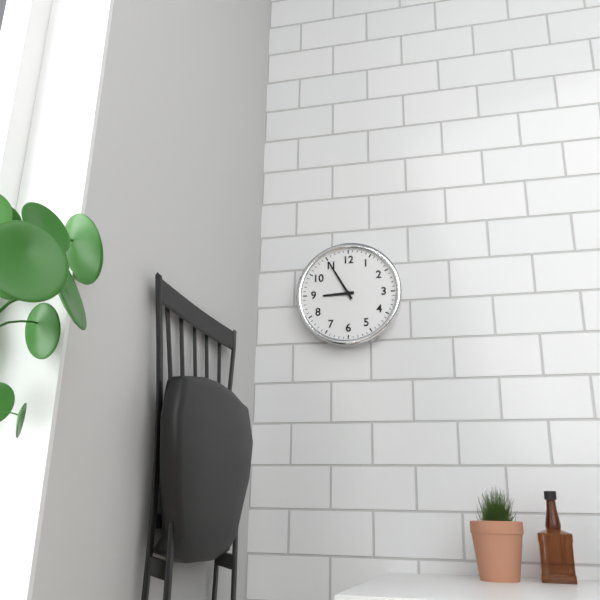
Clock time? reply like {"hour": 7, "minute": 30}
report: {"hour": 8, "minute": 55}
